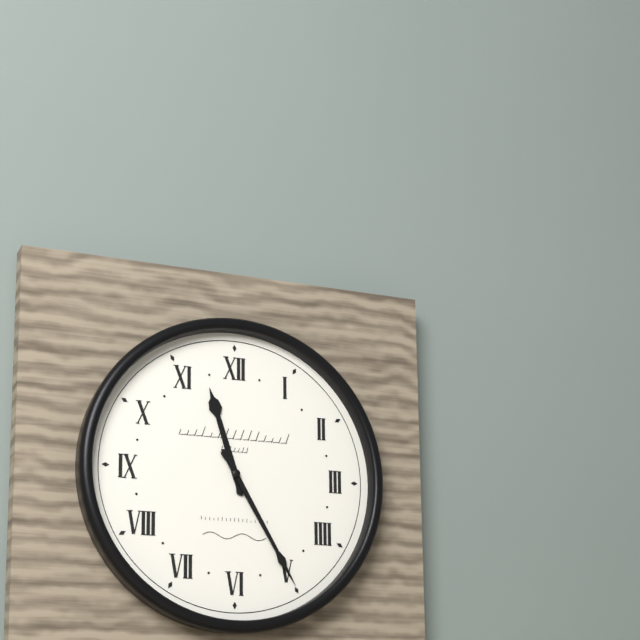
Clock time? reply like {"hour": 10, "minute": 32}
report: {"hour": 11, "minute": 25}
